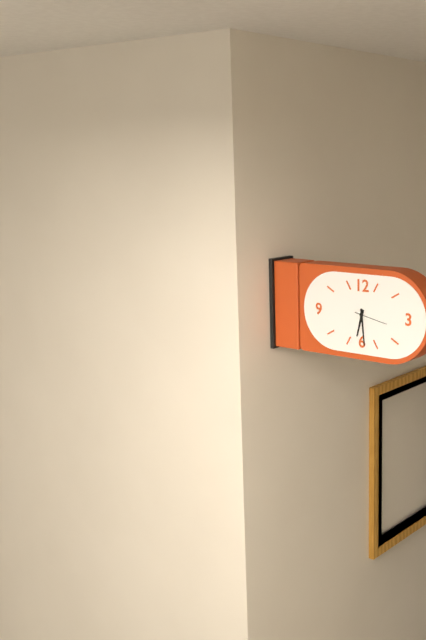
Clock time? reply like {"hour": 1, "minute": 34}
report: {"hour": 6, "minute": 29}
